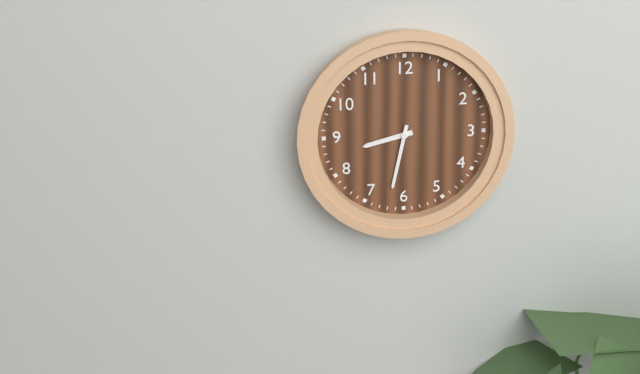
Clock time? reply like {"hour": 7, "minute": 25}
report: {"hour": 8, "minute": 32}
